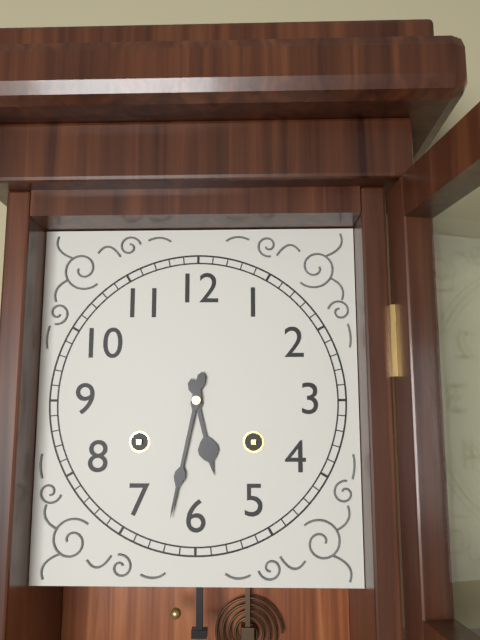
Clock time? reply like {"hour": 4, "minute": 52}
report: {"hour": 5, "minute": 32}
